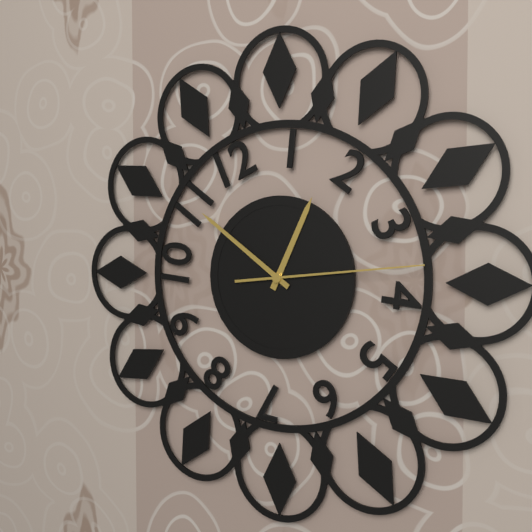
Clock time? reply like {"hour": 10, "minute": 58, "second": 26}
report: {"hour": 12, "minute": 51, "second": 14}
